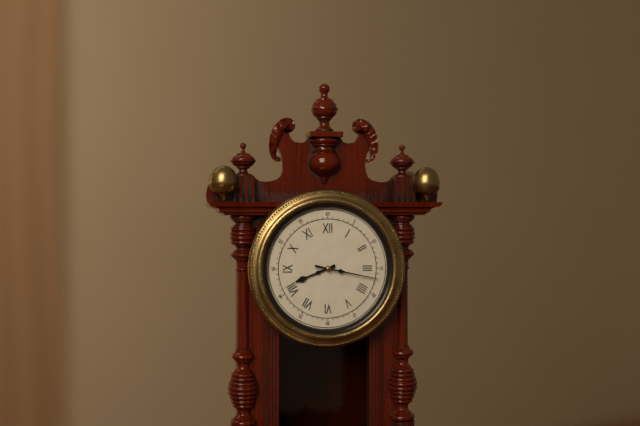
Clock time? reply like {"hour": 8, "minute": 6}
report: {"hour": 8, "minute": 17}
